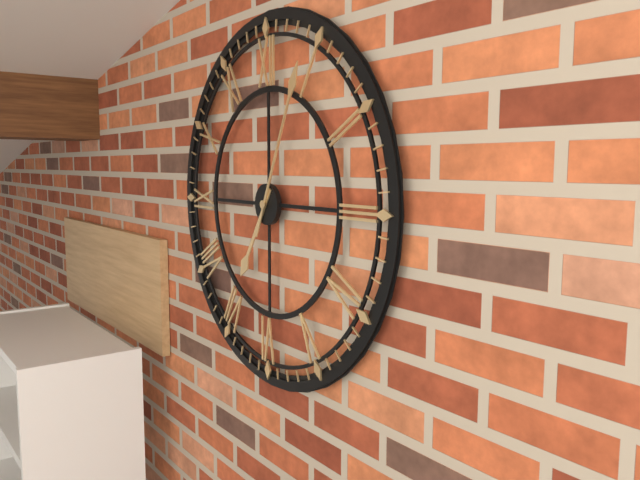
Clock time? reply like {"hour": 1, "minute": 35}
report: {"hour": 7, "minute": 4}
